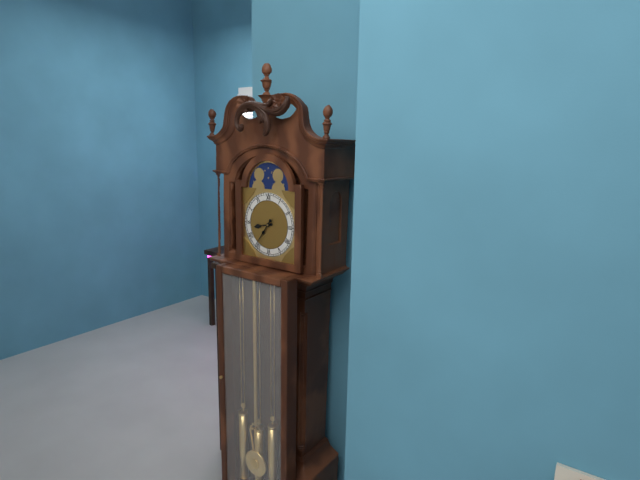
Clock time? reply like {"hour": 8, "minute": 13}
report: {"hour": 8, "minute": 36}
